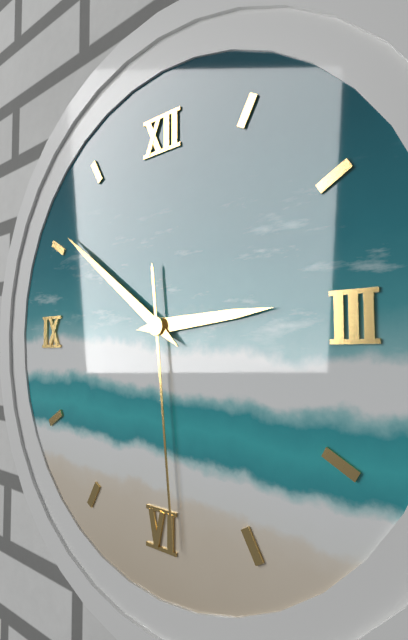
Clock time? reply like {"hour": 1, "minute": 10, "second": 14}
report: {"hour": 2, "minute": 51, "second": 29}
